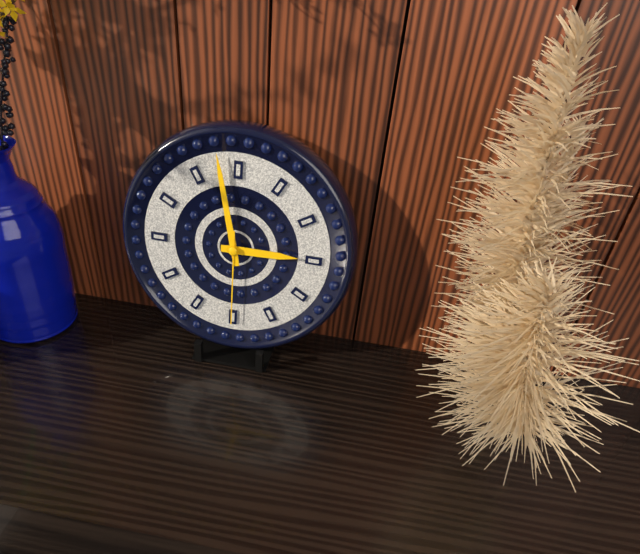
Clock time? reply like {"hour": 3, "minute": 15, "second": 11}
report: {"hour": 2, "minute": 58, "second": 30}
